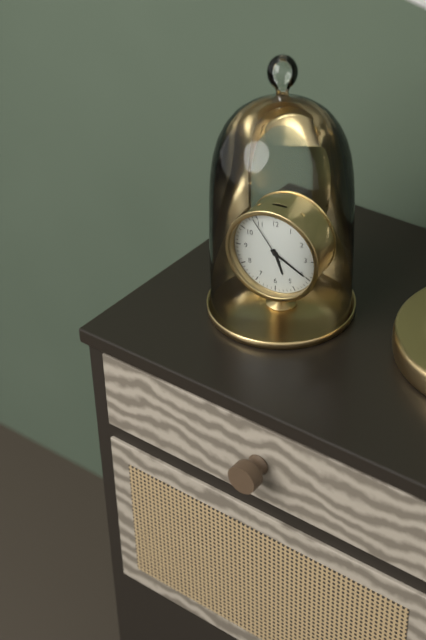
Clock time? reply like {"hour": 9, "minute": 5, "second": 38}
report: {"hour": 5, "minute": 20, "second": 54}
